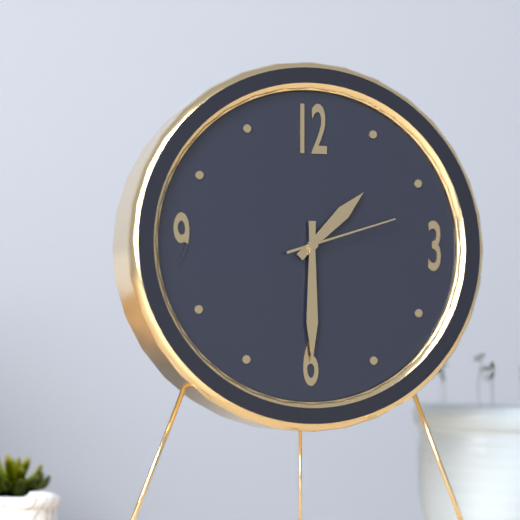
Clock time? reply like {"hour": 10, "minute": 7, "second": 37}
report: {"hour": 1, "minute": 30, "second": 12}
